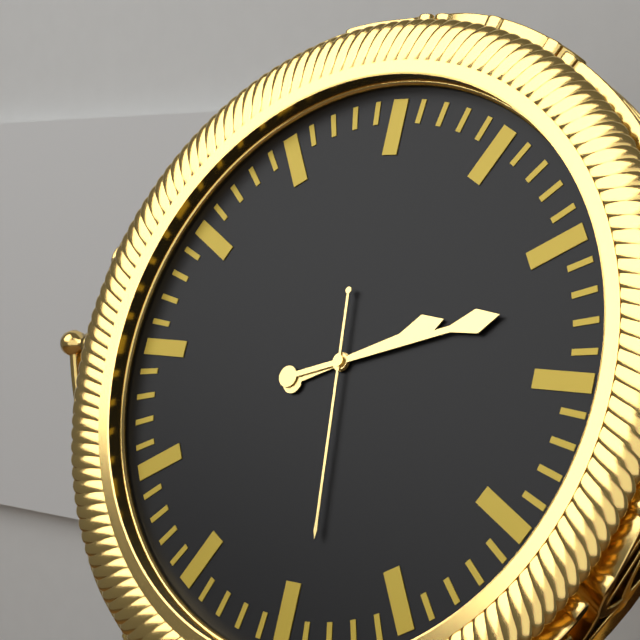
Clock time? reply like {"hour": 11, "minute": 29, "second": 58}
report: {"hour": 2, "minute": 12, "second": 29}
